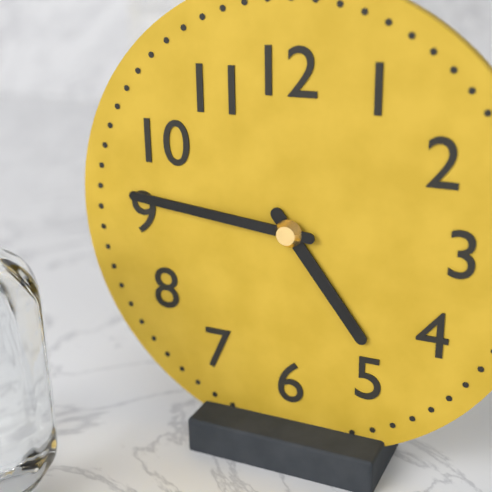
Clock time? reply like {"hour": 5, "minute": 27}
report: {"hour": 4, "minute": 46}
